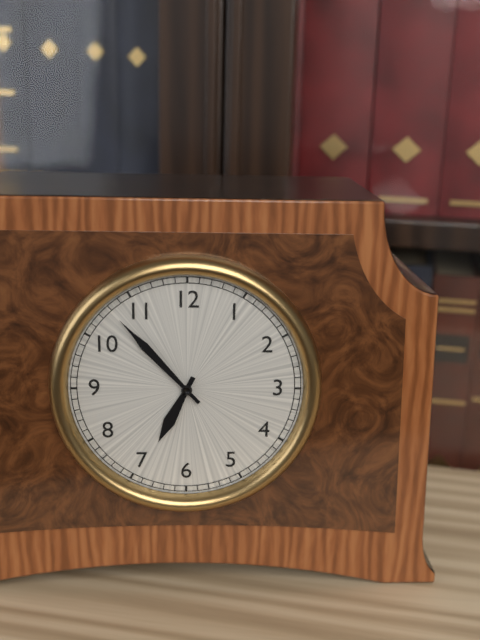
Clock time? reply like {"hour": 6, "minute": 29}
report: {"hour": 6, "minute": 53}
